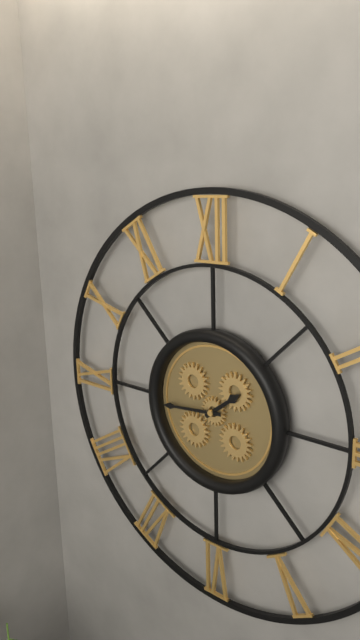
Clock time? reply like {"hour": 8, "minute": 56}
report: {"hour": 1, "minute": 44}
